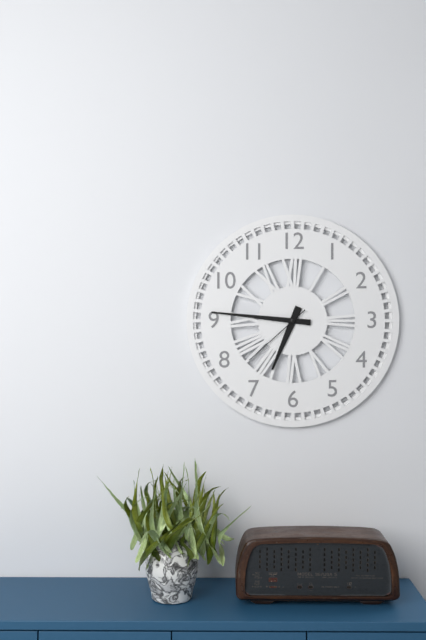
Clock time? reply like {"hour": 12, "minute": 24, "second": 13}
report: {"hour": 6, "minute": 46, "second": 38}
